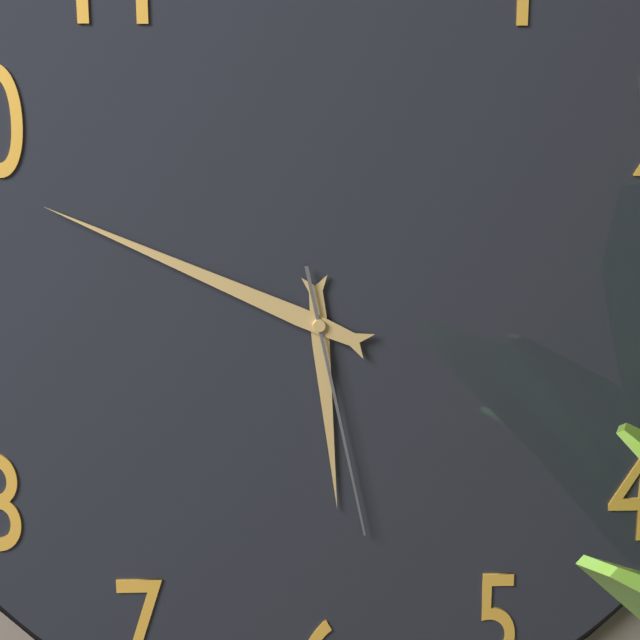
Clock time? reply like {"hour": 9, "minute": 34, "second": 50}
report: {"hour": 5, "minute": 49, "second": 28}
